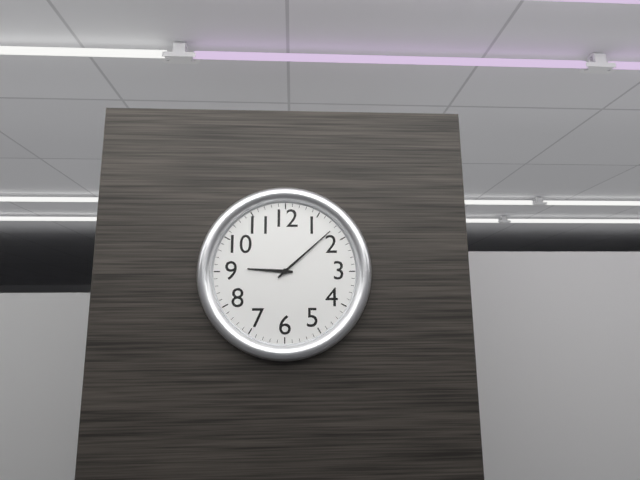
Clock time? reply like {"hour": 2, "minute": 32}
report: {"hour": 9, "minute": 8}
